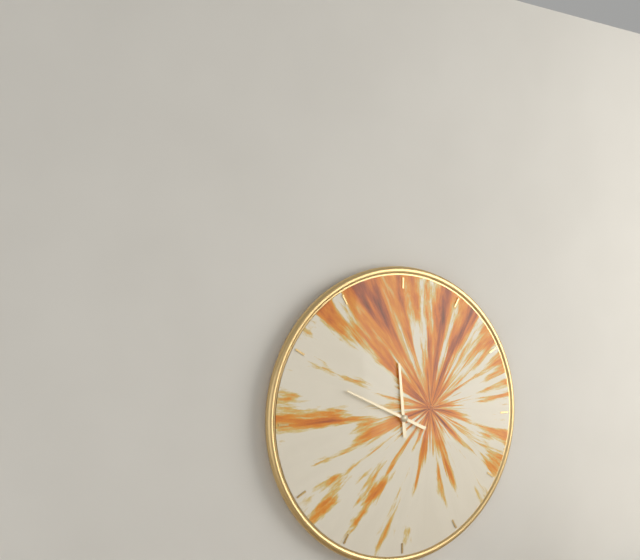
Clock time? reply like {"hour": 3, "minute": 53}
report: {"hour": 11, "minute": 49}
